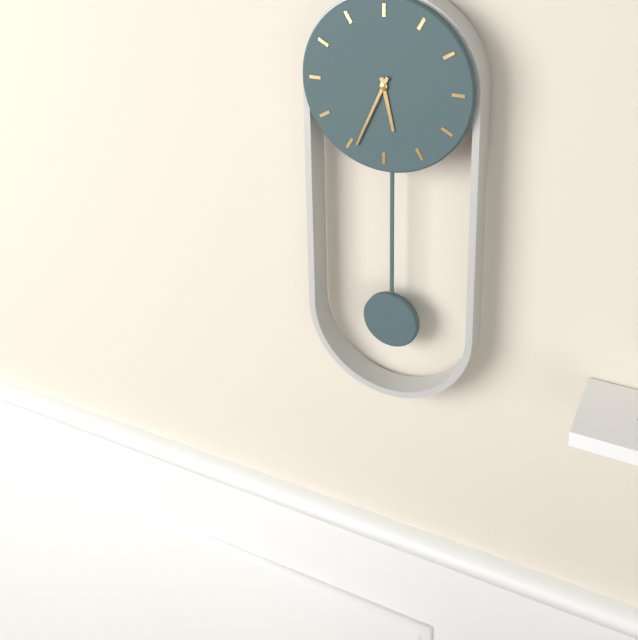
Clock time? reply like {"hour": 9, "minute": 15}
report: {"hour": 5, "minute": 34}
